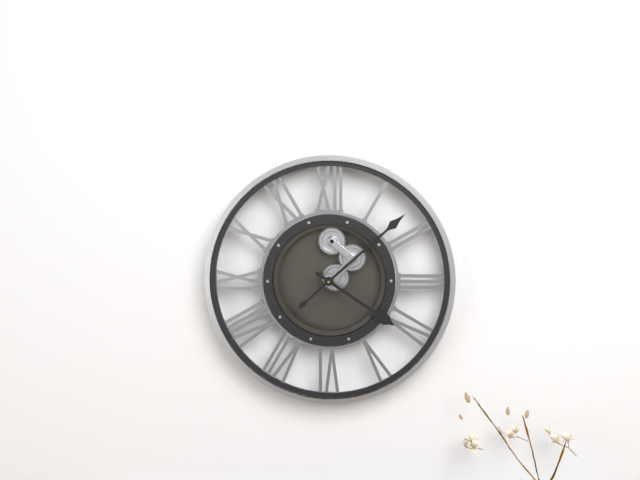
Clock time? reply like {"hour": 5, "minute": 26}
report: {"hour": 4, "minute": 8}
